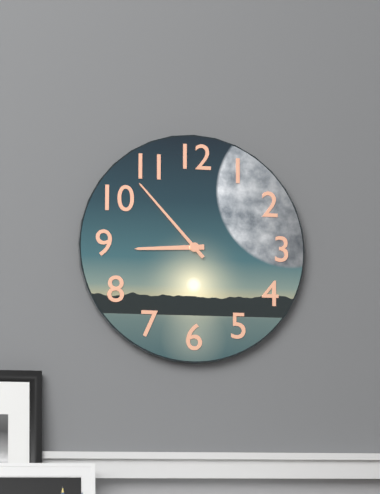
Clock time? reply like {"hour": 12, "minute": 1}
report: {"hour": 8, "minute": 53}
